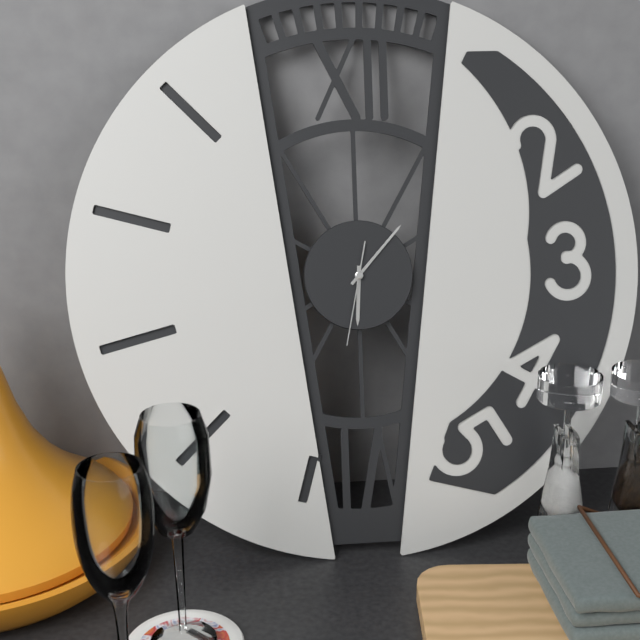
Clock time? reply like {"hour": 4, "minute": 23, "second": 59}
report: {"hour": 6, "minute": 7, "second": 32}
